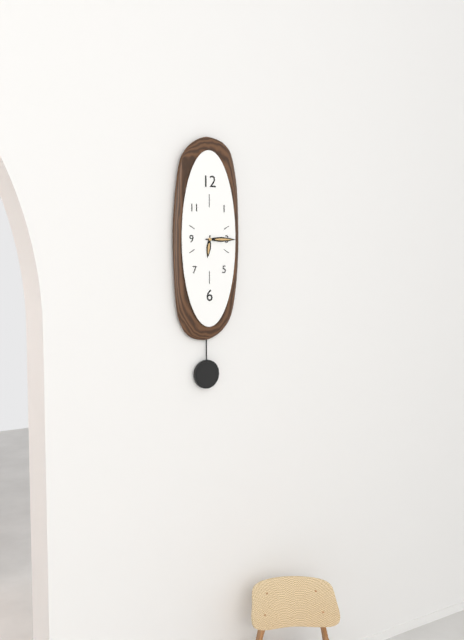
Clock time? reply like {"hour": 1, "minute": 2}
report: {"hour": 6, "minute": 15}
